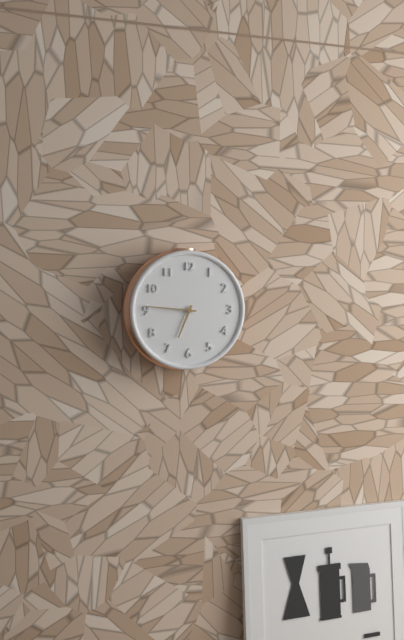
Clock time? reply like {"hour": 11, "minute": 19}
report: {"hour": 6, "minute": 46}
